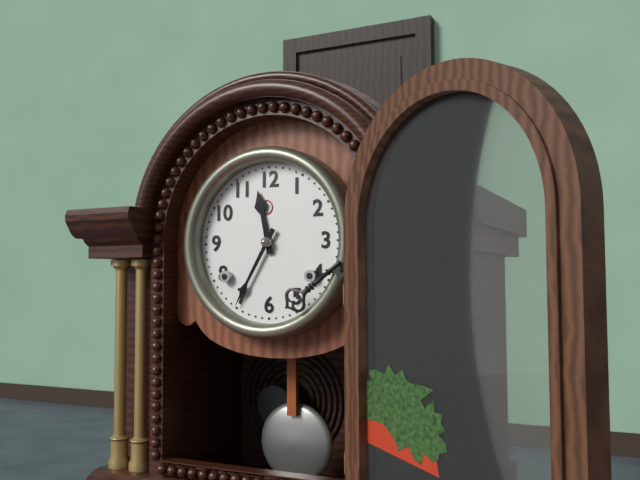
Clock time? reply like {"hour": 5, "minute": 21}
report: {"hour": 11, "minute": 35}
